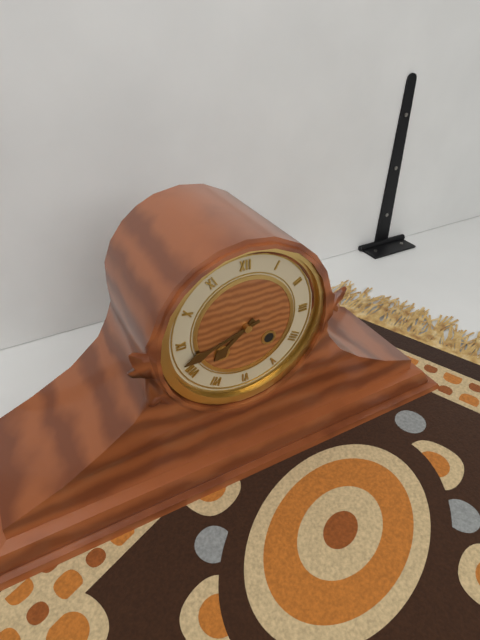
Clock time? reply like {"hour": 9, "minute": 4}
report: {"hour": 7, "minute": 42}
